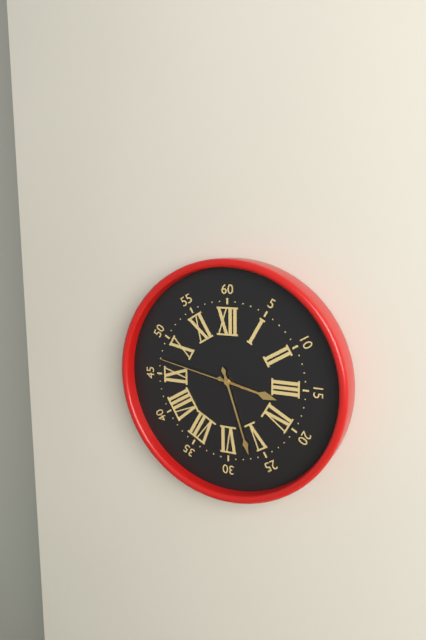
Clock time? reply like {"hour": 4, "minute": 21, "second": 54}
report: {"hour": 3, "minute": 27, "second": 47}
